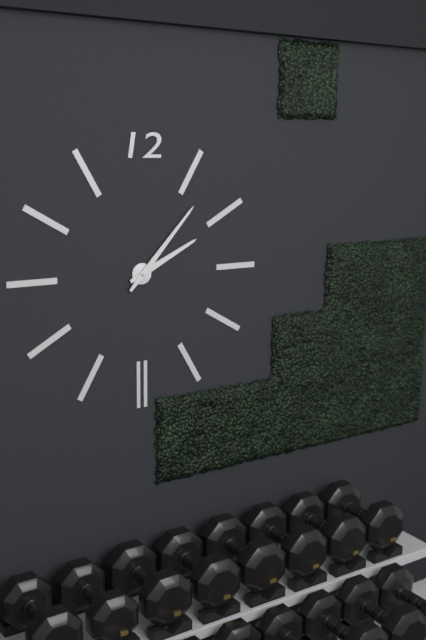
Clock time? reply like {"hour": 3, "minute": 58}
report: {"hour": 2, "minute": 7}
